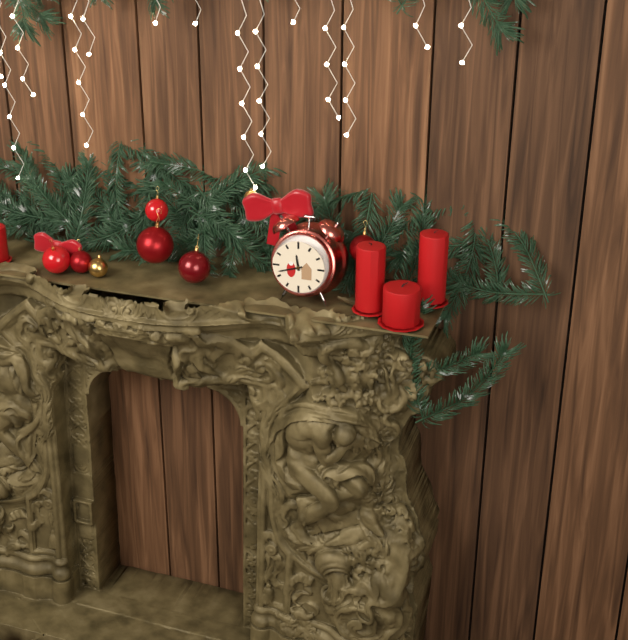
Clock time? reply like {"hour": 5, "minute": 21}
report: {"hour": 11, "minute": 42}
